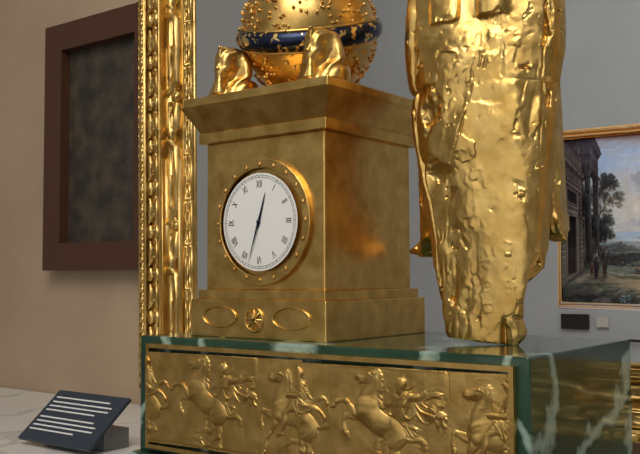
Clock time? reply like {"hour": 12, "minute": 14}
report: {"hour": 12, "minute": 33}
